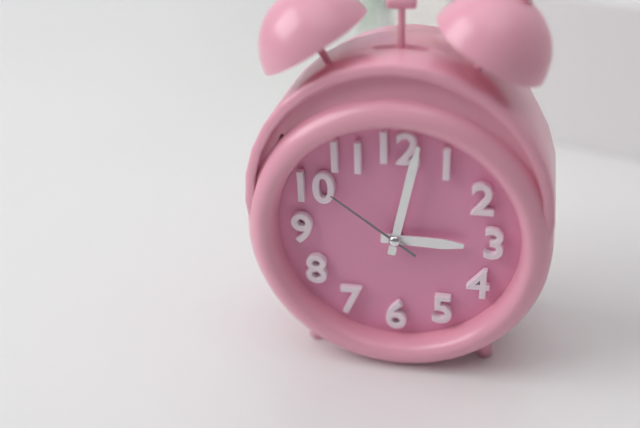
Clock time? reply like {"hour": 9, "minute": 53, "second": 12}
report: {"hour": 3, "minute": 2, "second": 51}
